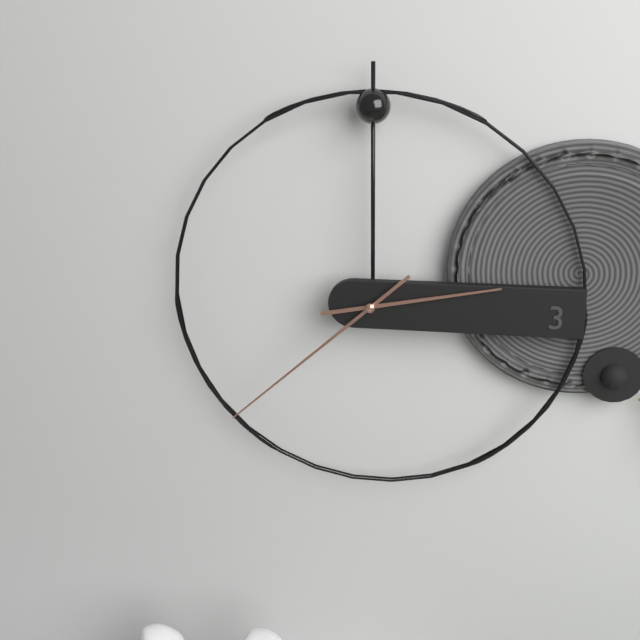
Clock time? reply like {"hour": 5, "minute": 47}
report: {"hour": 2, "minute": 38}
